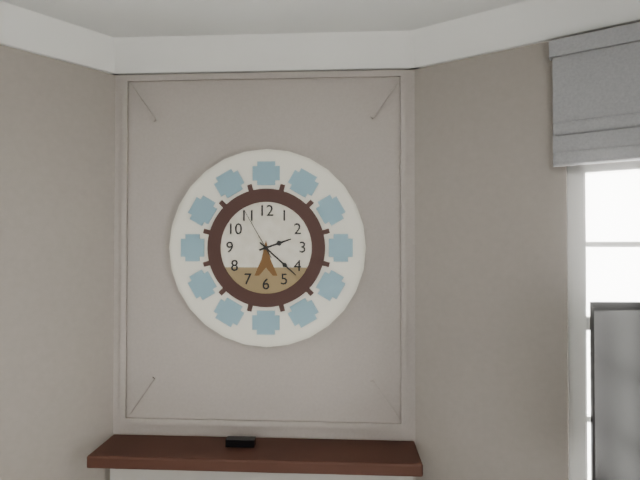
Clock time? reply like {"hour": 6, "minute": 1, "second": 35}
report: {"hour": 2, "minute": 22, "second": 55}
